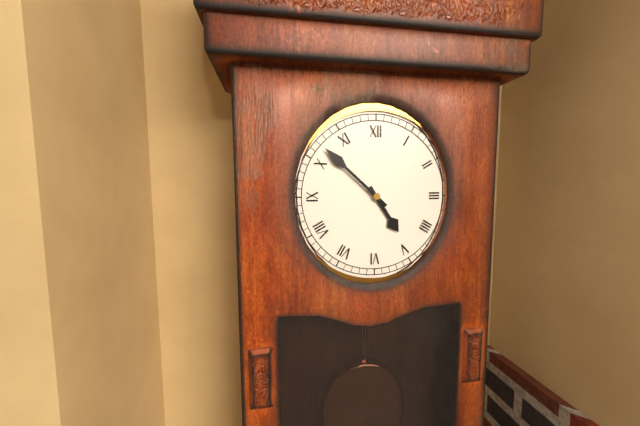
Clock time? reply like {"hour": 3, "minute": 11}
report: {"hour": 4, "minute": 52}
